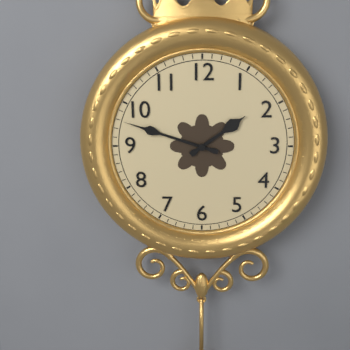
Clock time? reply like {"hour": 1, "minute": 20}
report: {"hour": 1, "minute": 48}
